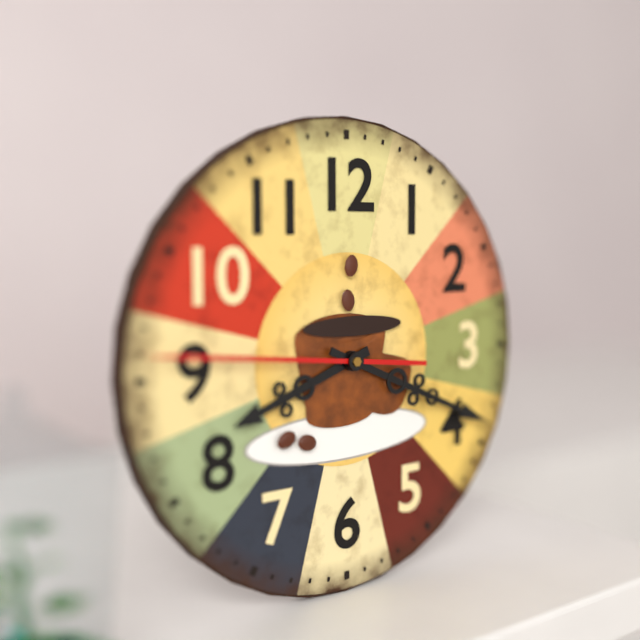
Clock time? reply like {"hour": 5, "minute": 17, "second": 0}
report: {"hour": 8, "minute": 19, "second": 46}
